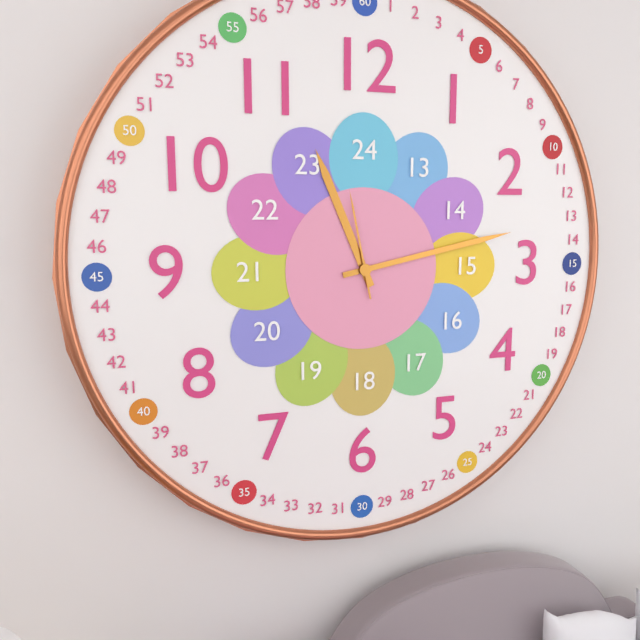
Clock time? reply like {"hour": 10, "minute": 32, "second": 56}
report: {"hour": 11, "minute": 13, "second": 58}
